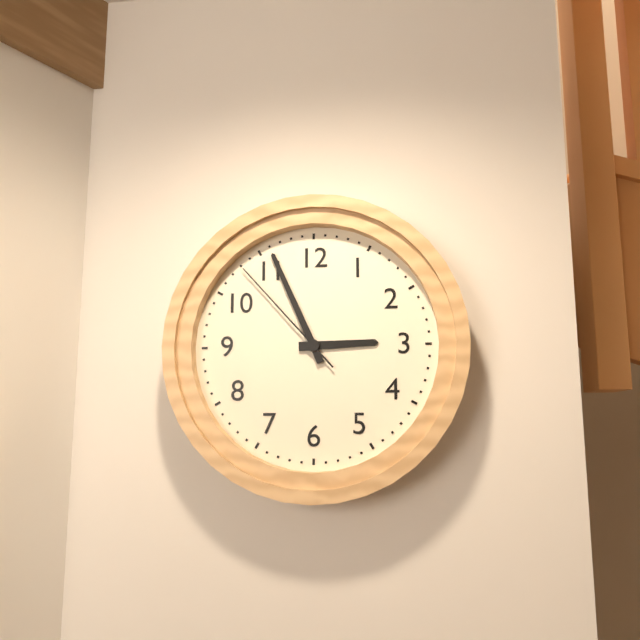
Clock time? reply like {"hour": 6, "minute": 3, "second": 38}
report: {"hour": 2, "minute": 56, "second": 53}
